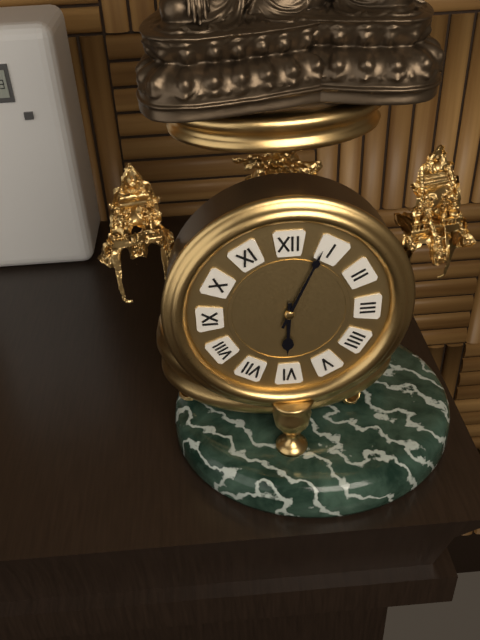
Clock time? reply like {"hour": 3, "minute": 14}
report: {"hour": 6, "minute": 4}
